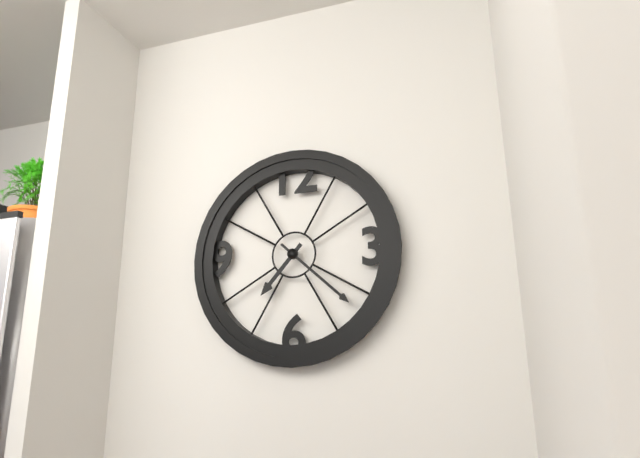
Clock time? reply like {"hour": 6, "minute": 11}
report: {"hour": 7, "minute": 22}
